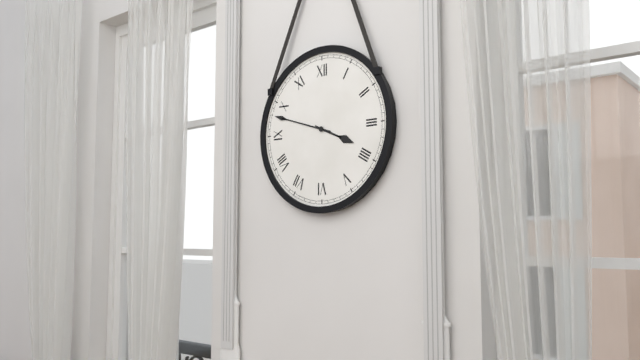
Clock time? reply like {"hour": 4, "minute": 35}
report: {"hour": 3, "minute": 48}
